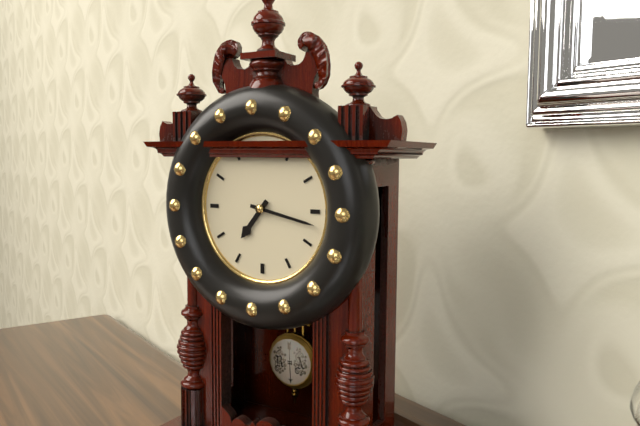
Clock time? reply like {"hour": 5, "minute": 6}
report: {"hour": 7, "minute": 17}
